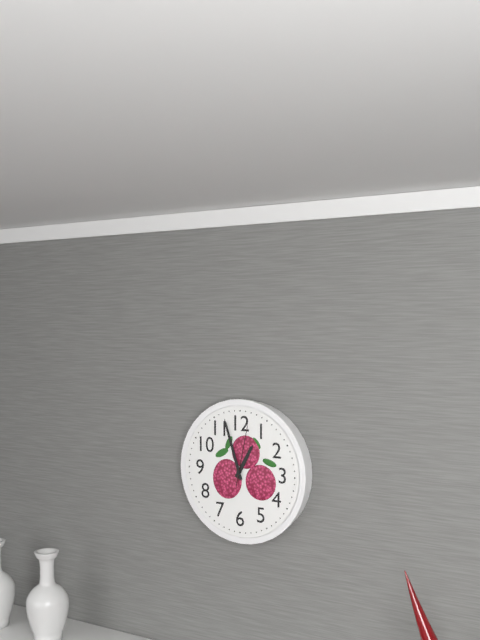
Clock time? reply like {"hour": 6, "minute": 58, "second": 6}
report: {"hour": 12, "minute": 57, "second": 2}
